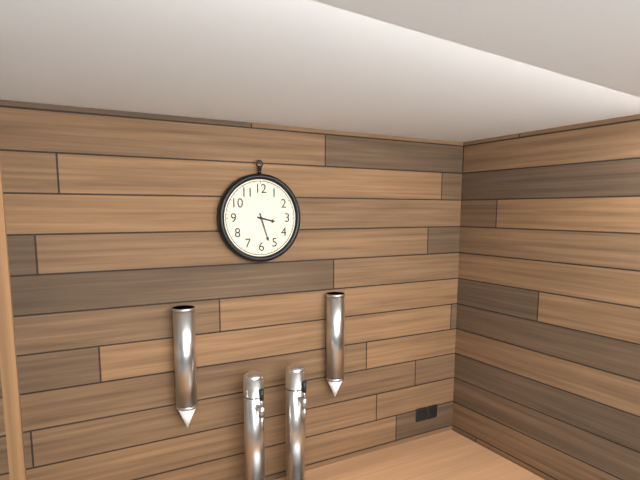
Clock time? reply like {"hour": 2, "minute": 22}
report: {"hour": 3, "minute": 27}
